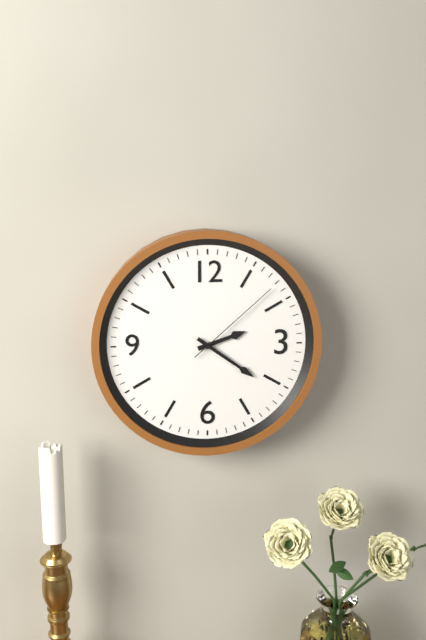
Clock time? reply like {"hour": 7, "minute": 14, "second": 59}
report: {"hour": 2, "minute": 21, "second": 8}
